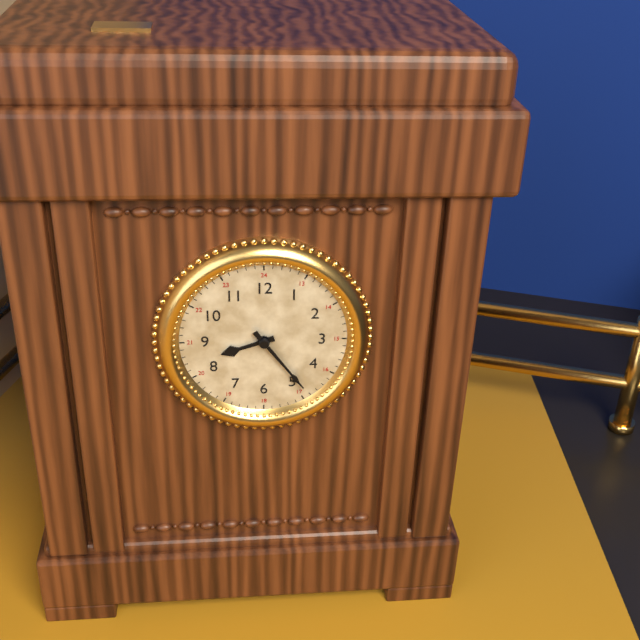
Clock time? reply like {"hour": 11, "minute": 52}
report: {"hour": 8, "minute": 24}
